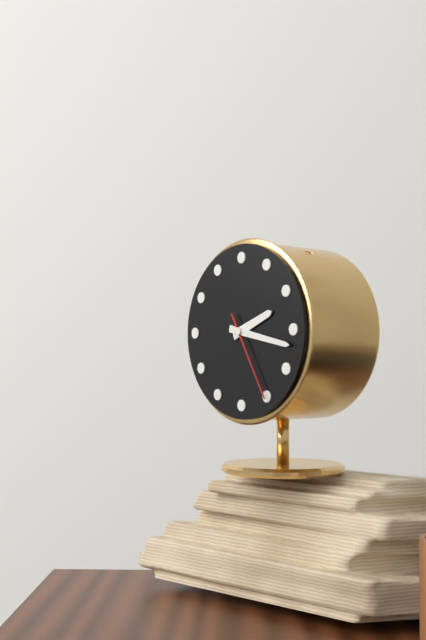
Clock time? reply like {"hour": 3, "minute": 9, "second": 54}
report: {"hour": 2, "minute": 17, "second": 25}
